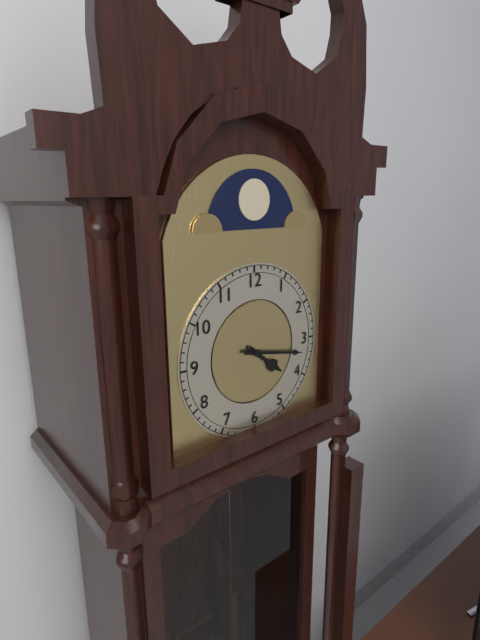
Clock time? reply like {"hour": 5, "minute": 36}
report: {"hour": 4, "minute": 17}
